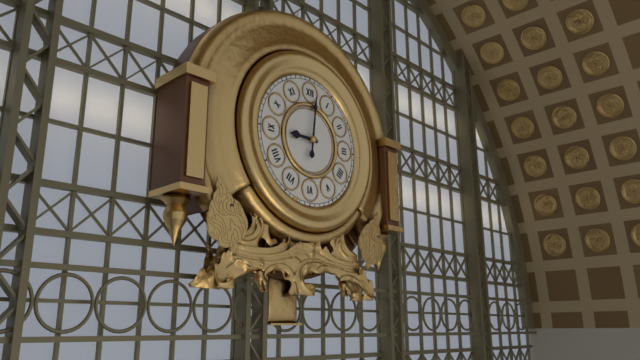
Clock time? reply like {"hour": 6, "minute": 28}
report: {"hour": 9, "minute": 1}
